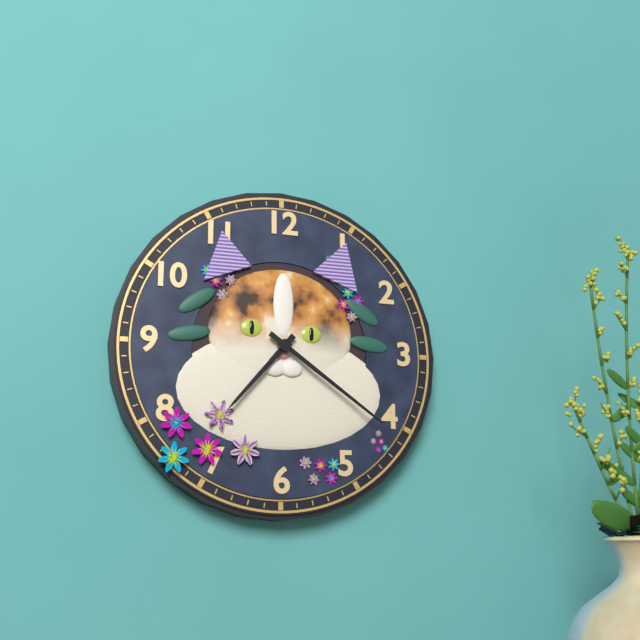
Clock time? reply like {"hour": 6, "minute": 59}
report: {"hour": 7, "minute": 21}
